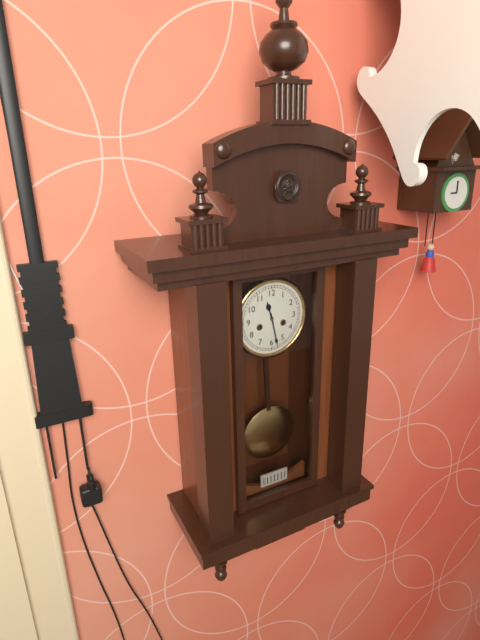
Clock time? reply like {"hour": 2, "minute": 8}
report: {"hour": 11, "minute": 28}
